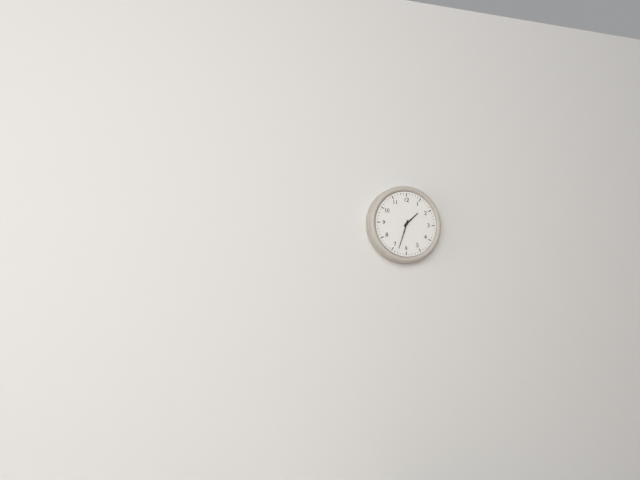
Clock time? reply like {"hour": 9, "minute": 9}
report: {"hour": 1, "minute": 33}
